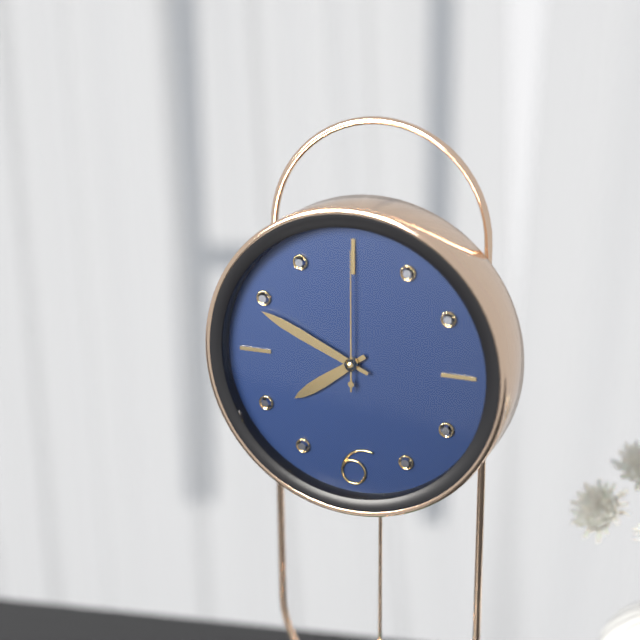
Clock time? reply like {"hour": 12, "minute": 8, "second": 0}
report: {"hour": 7, "minute": 49, "second": 0}
